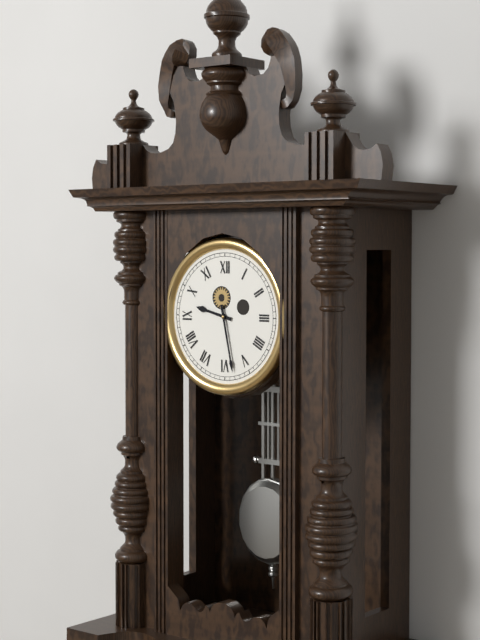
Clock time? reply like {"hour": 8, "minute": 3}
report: {"hour": 9, "minute": 28}
